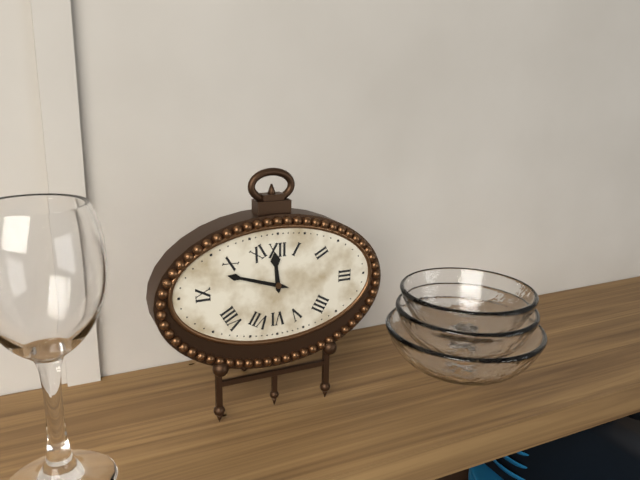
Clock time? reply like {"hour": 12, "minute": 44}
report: {"hour": 11, "minute": 48}
